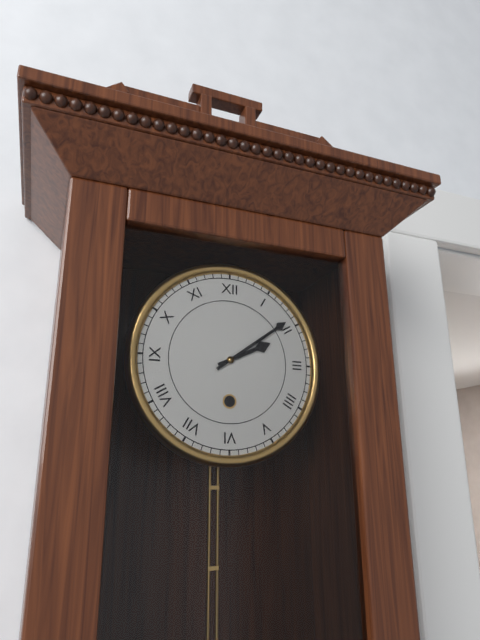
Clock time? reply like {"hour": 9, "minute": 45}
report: {"hour": 2, "minute": 9}
